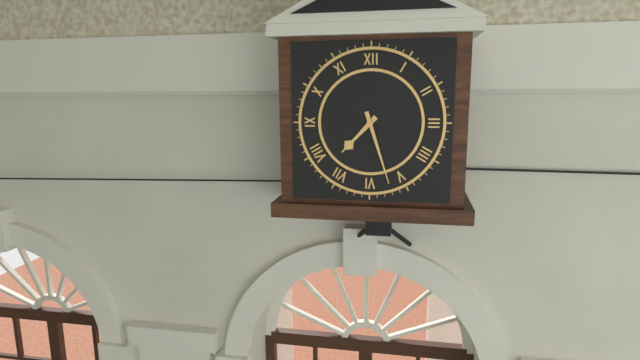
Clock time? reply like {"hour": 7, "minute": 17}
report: {"hour": 7, "minute": 27}
